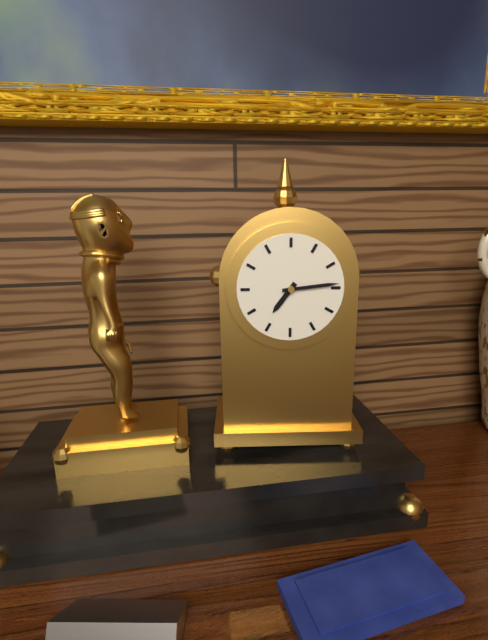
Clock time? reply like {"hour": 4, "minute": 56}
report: {"hour": 7, "minute": 14}
